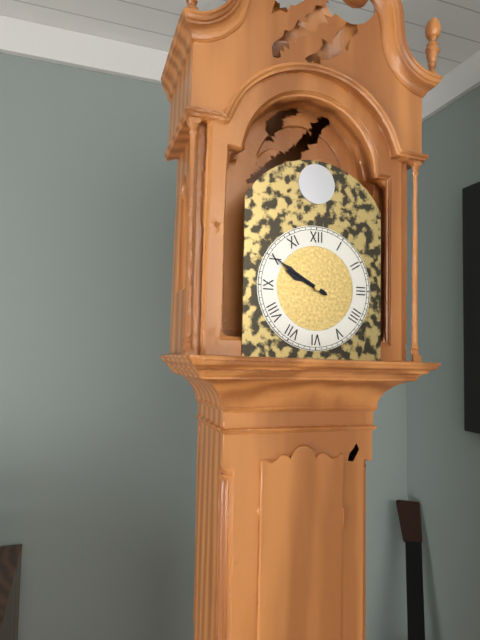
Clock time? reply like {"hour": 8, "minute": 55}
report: {"hour": 9, "minute": 50}
